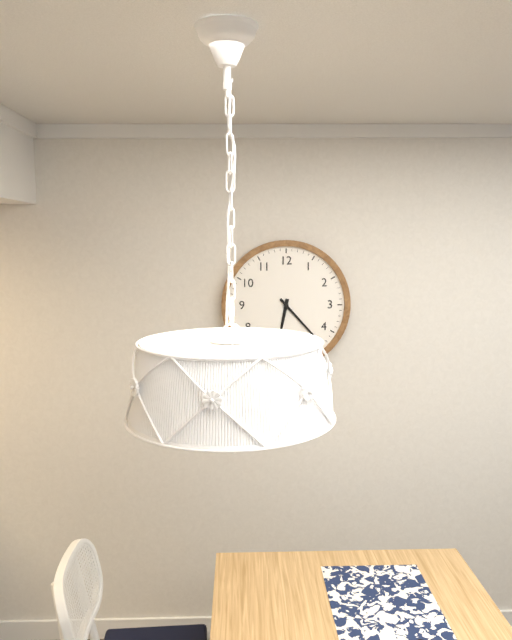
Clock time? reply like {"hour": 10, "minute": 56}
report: {"hour": 6, "minute": 23}
